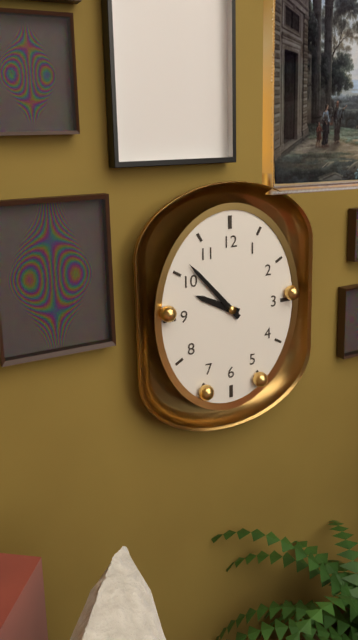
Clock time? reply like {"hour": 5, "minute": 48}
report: {"hour": 9, "minute": 53}
